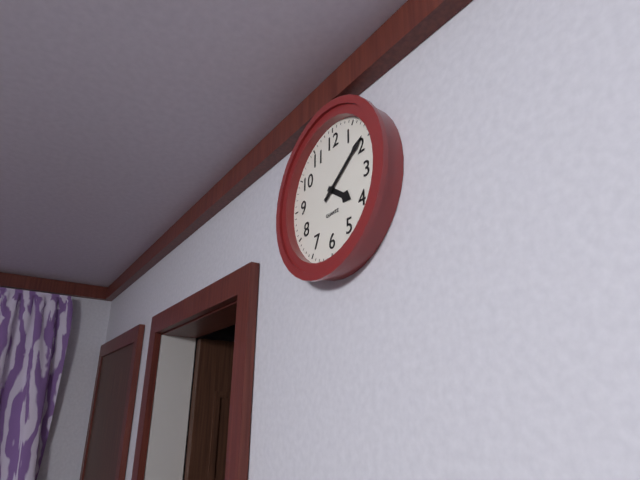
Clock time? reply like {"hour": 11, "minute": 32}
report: {"hour": 4, "minute": 9}
